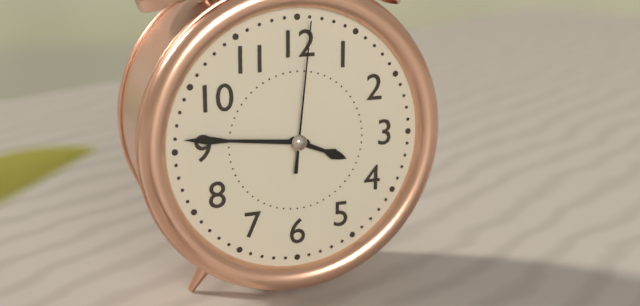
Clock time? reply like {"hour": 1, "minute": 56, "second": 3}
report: {"hour": 3, "minute": 46, "second": 1}
